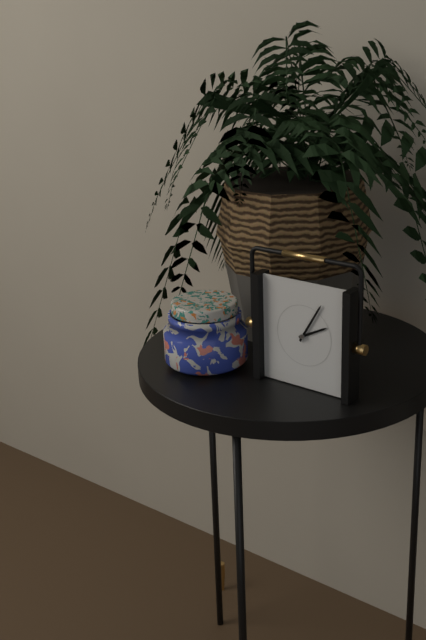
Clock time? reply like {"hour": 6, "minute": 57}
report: {"hour": 2, "minute": 5}
